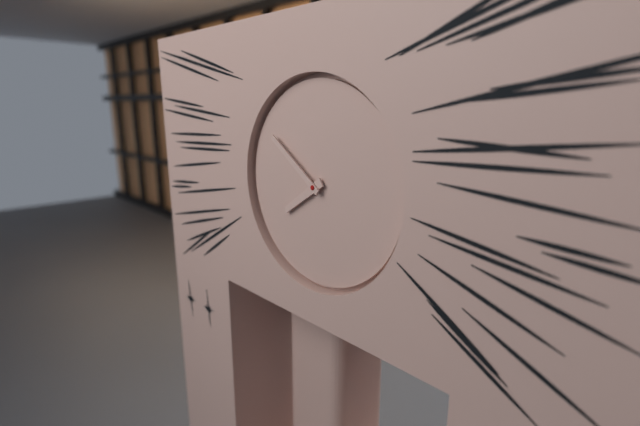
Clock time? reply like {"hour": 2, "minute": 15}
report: {"hour": 7, "minute": 51}
